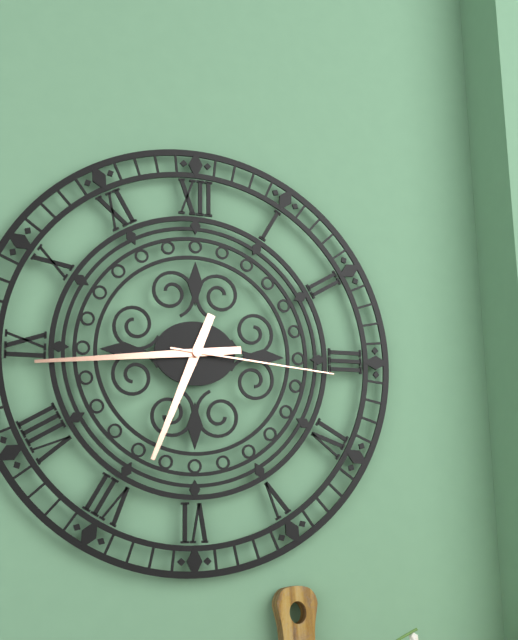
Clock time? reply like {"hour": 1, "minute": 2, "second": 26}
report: {"hour": 6, "minute": 44, "second": 16}
